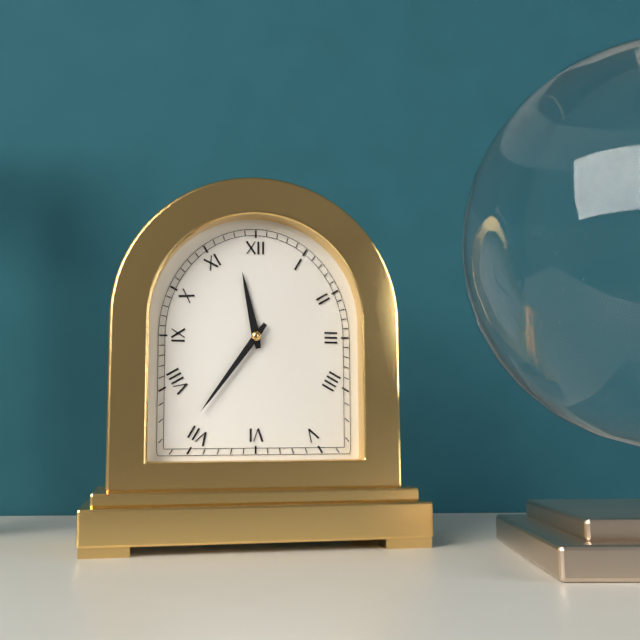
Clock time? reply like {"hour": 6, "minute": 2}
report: {"hour": 11, "minute": 36}
